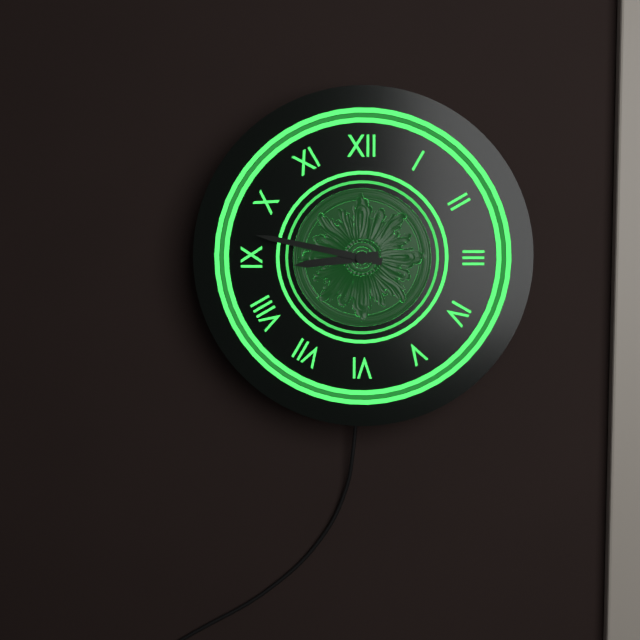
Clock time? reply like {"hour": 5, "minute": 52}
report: {"hour": 8, "minute": 47}
